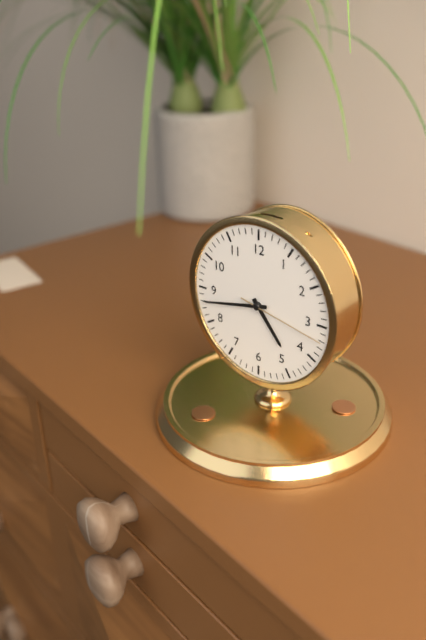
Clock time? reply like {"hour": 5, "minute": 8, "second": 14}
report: {"hour": 4, "minute": 43, "second": 17}
